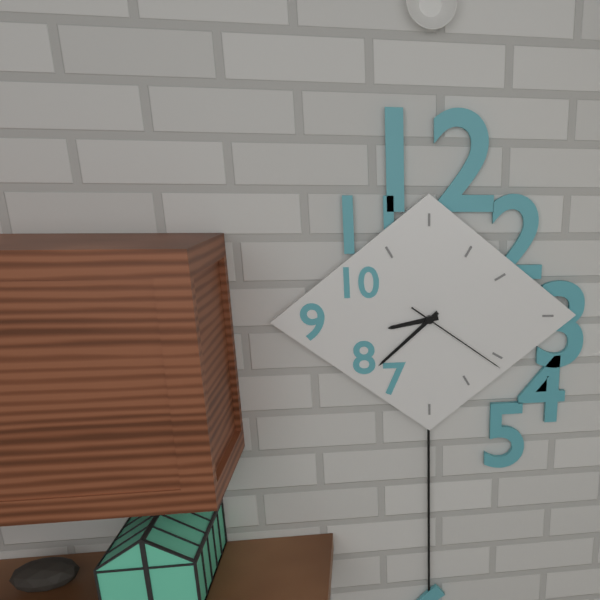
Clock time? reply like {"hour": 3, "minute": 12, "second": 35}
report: {"hour": 8, "minute": 38, "second": 21}
